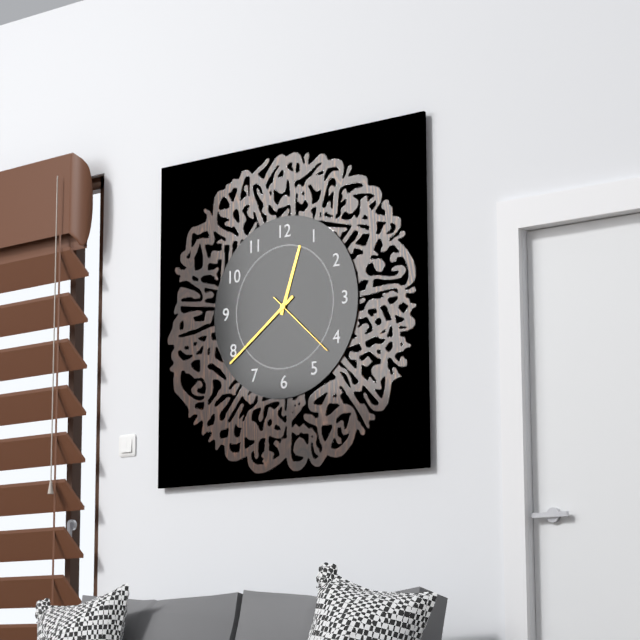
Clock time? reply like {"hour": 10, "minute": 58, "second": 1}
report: {"hour": 12, "minute": 39, "second": 22}
